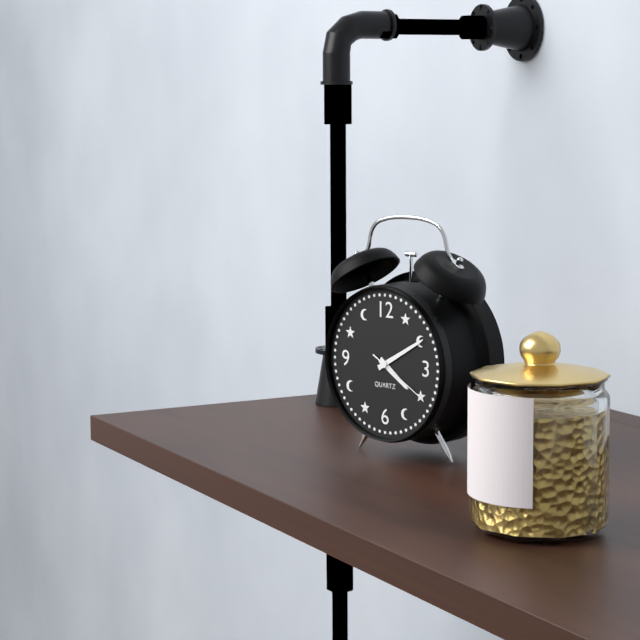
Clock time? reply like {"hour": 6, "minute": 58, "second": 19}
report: {"hour": 4, "minute": 10, "second": 20}
